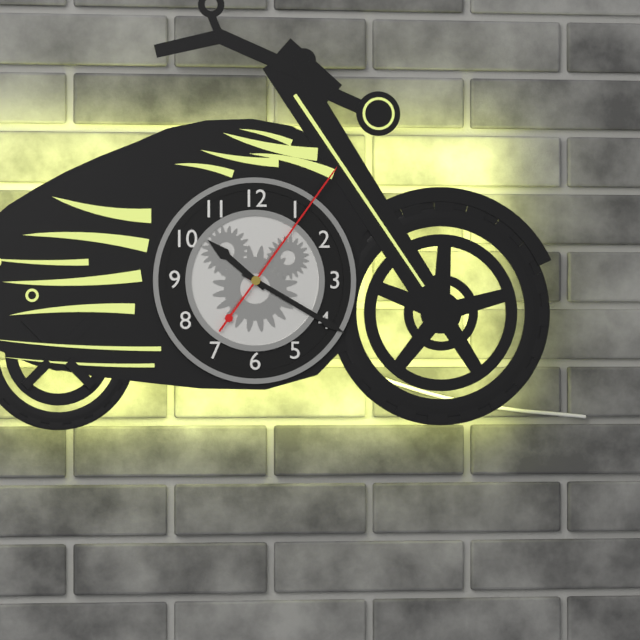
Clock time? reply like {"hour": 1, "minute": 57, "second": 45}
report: {"hour": 10, "minute": 20, "second": 6}
